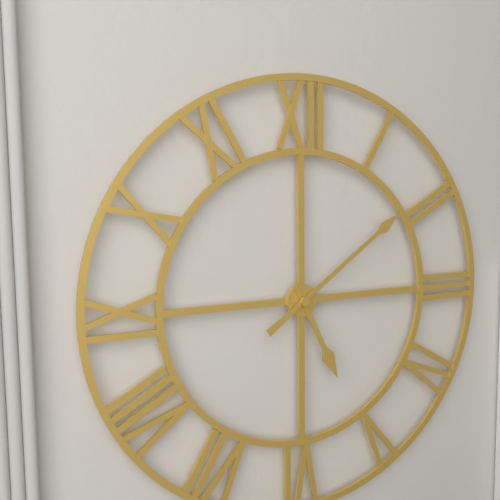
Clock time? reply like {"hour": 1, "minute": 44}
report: {"hour": 5, "minute": 9}
